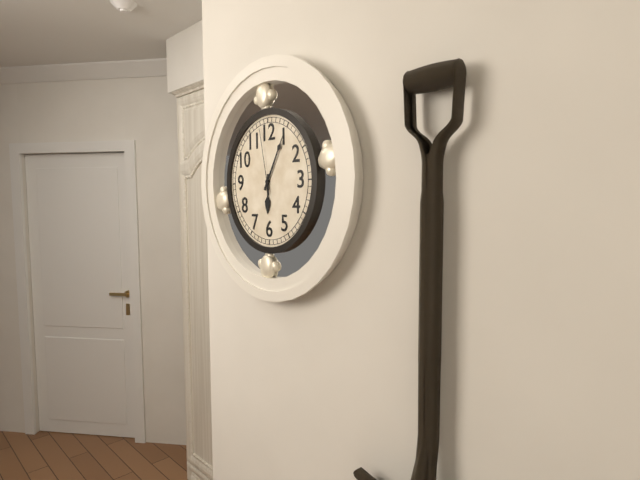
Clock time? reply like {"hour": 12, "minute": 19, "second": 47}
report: {"hour": 6, "minute": 5, "second": 58}
